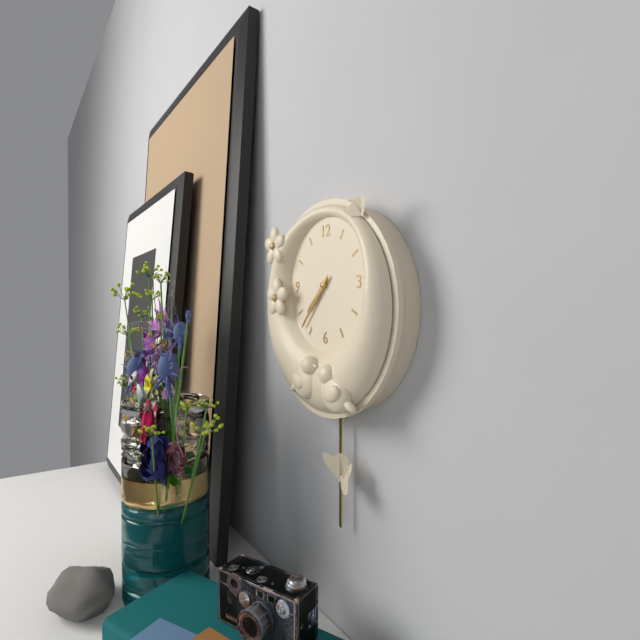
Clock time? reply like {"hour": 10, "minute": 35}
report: {"hour": 7, "minute": 37}
